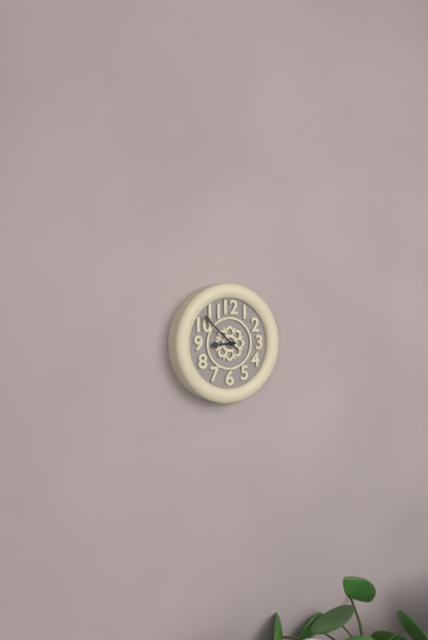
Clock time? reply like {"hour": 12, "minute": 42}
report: {"hour": 8, "minute": 52}
